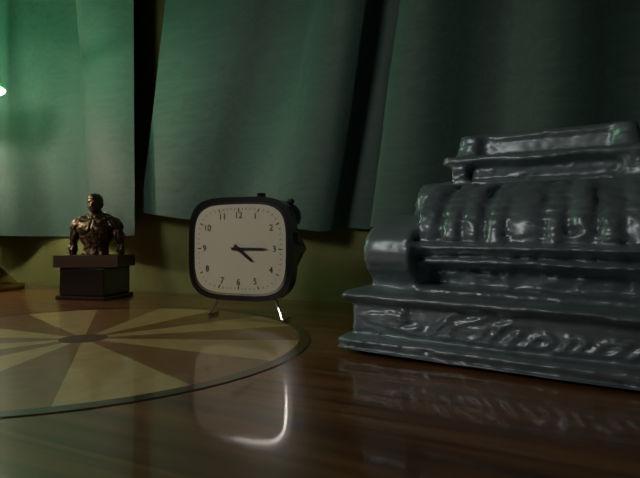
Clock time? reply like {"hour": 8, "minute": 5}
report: {"hour": 4, "minute": 15}
